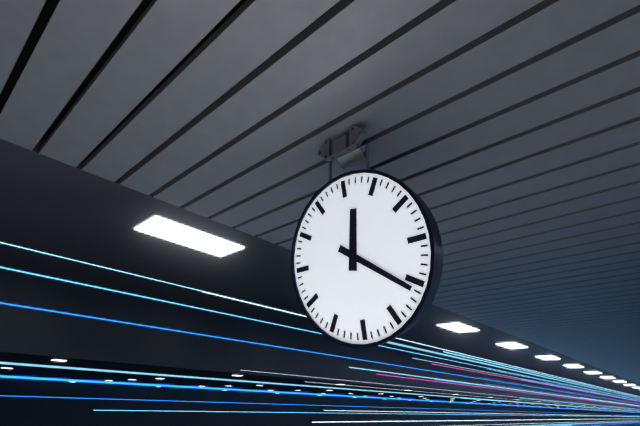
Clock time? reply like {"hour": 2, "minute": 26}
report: {"hour": 12, "minute": 21}
